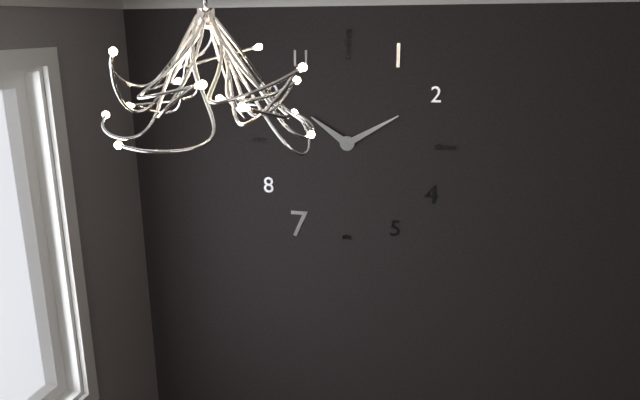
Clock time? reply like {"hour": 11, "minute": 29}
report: {"hour": 10, "minute": 10}
